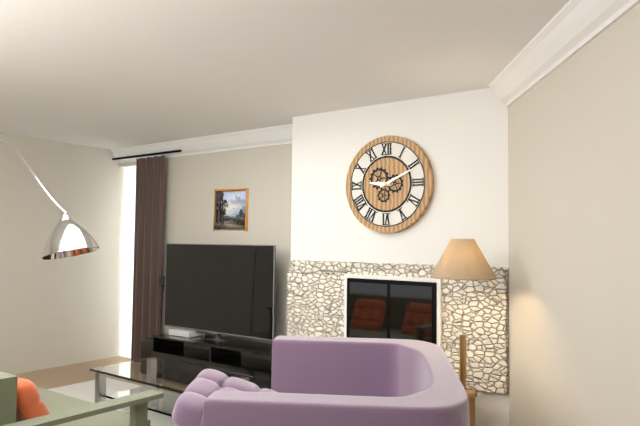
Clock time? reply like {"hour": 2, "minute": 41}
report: {"hour": 9, "minute": 11}
